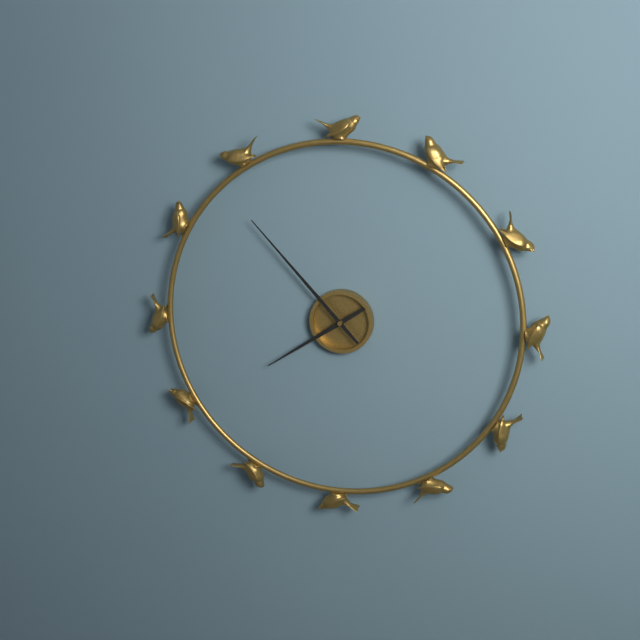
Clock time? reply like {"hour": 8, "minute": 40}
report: {"hour": 7, "minute": 53}
